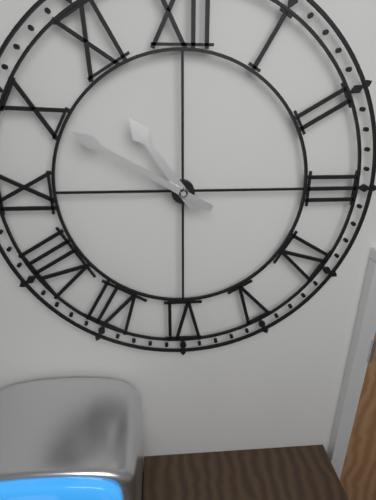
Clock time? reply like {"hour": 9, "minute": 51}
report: {"hour": 10, "minute": 50}
